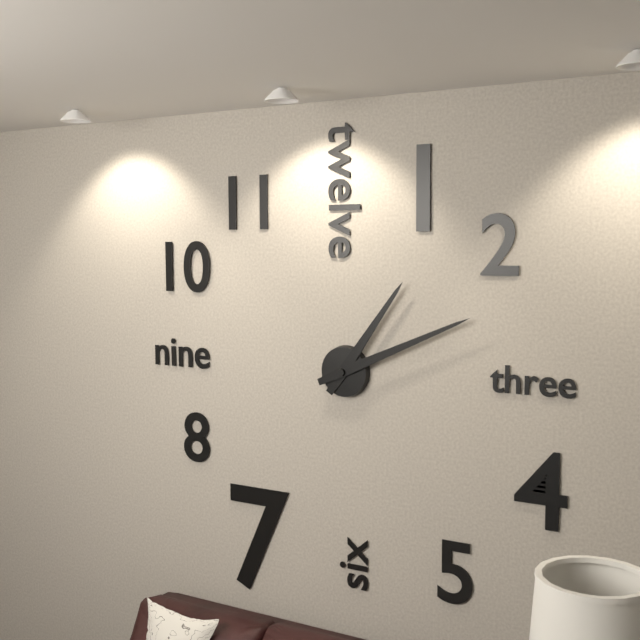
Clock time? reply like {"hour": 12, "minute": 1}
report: {"hour": 1, "minute": 11}
